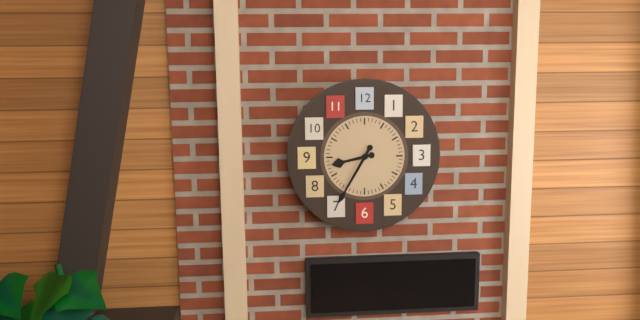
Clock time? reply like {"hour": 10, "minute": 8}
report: {"hour": 8, "minute": 35}
